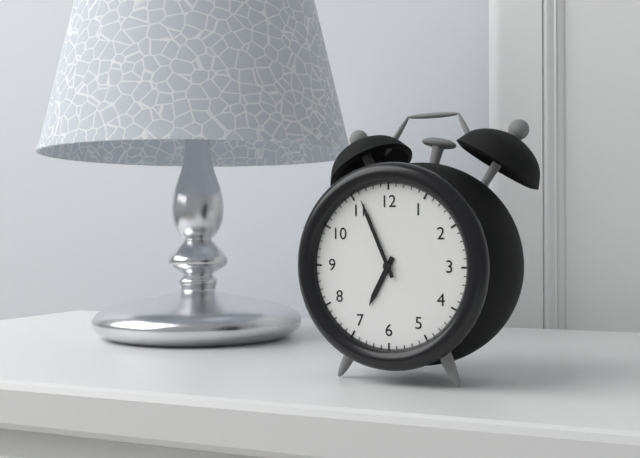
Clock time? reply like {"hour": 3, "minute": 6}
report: {"hour": 6, "minute": 56}
